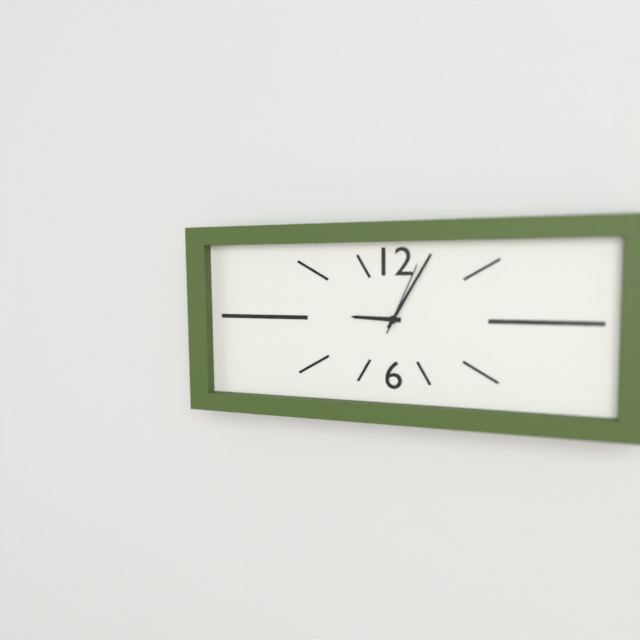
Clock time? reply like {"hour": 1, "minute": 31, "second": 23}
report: {"hour": 9, "minute": 5, "second": 4}
